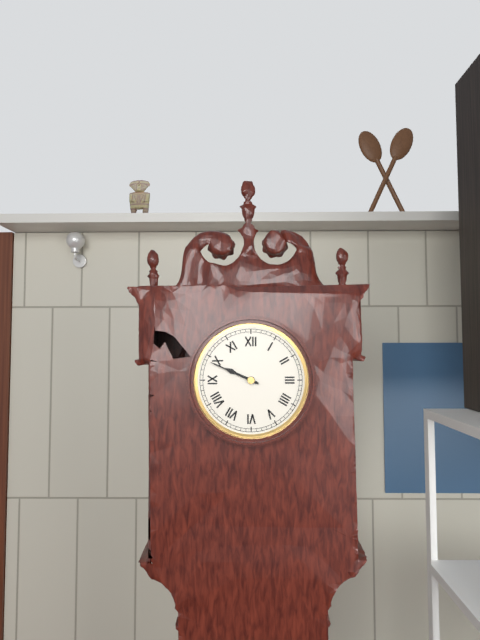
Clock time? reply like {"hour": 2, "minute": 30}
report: {"hour": 9, "minute": 49}
